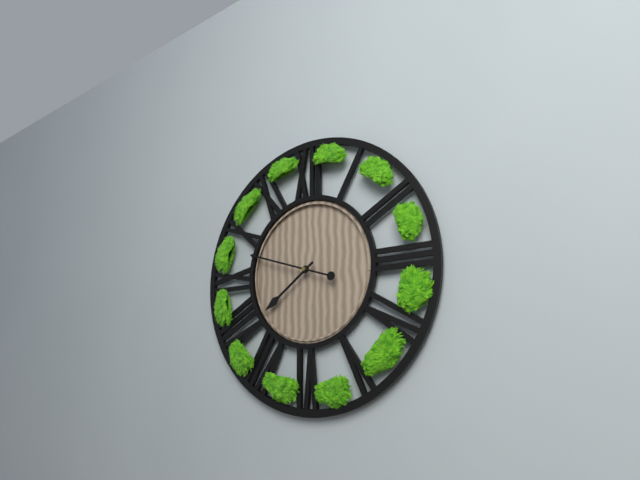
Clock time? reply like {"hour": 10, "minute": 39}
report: {"hour": 7, "minute": 48}
